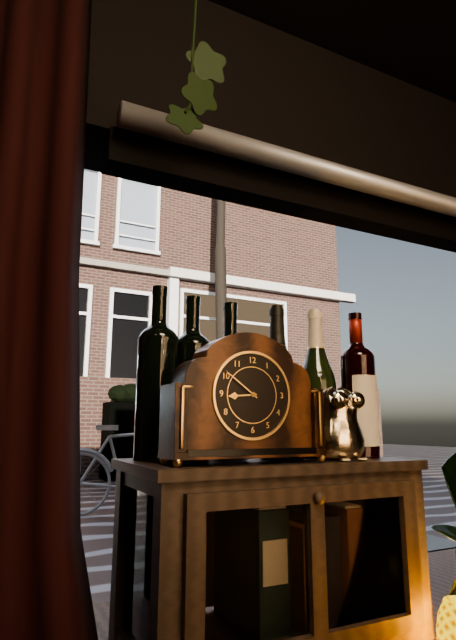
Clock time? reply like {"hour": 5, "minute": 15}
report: {"hour": 8, "minute": 51}
